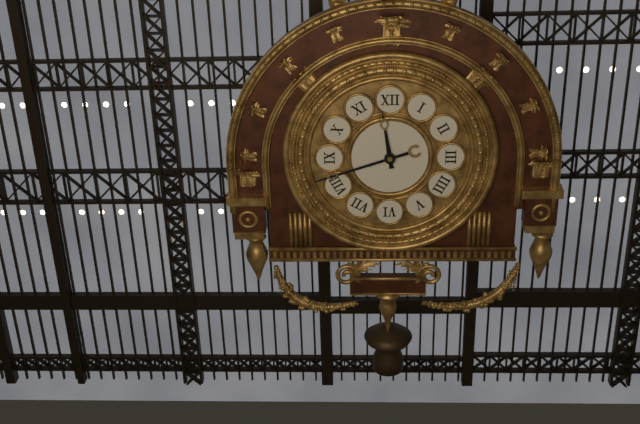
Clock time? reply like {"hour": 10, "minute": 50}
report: {"hour": 11, "minute": 42}
